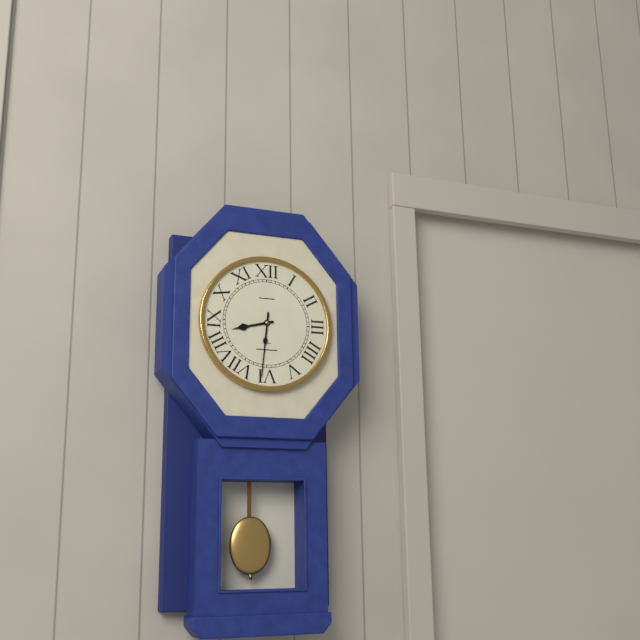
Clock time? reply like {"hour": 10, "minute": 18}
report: {"hour": 8, "minute": 31}
